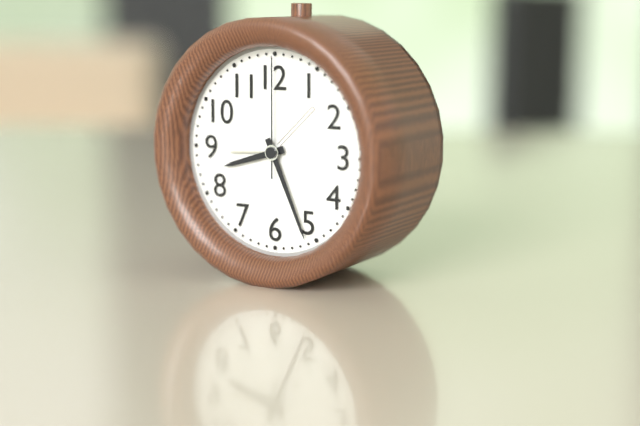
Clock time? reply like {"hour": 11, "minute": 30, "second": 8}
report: {"hour": 8, "minute": 26, "second": 0}
